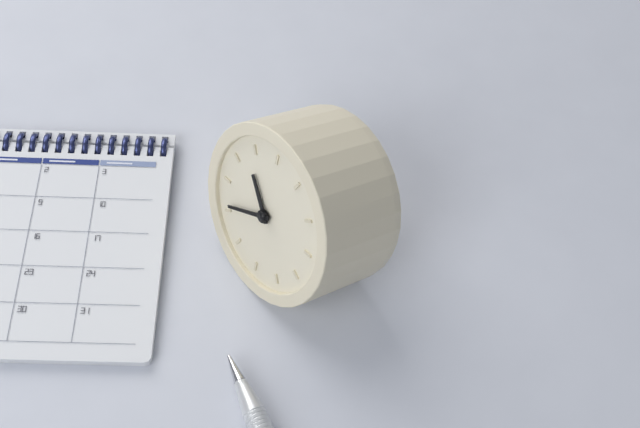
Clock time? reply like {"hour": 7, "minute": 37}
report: {"hour": 10, "minute": 41}
